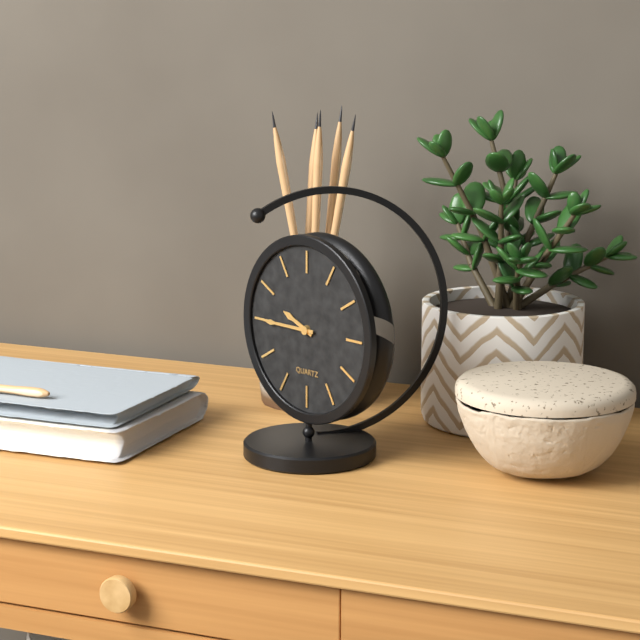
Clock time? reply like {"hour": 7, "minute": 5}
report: {"hour": 9, "minute": 45}
